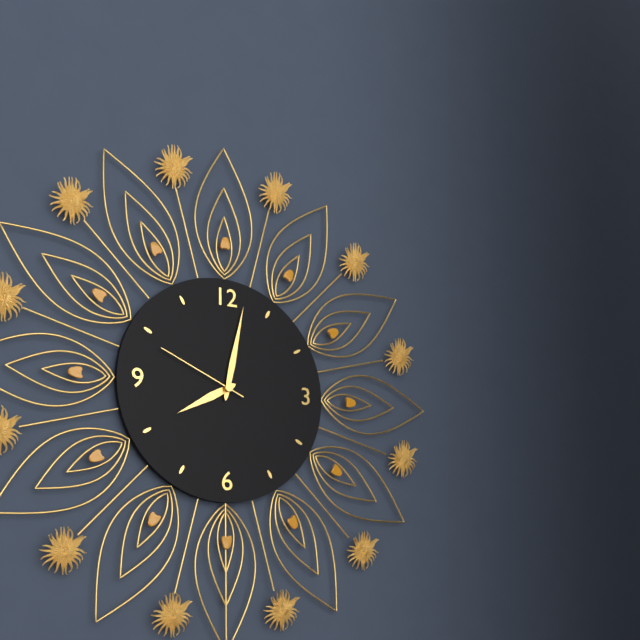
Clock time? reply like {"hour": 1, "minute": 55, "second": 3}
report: {"hour": 8, "minute": 2, "second": 49}
